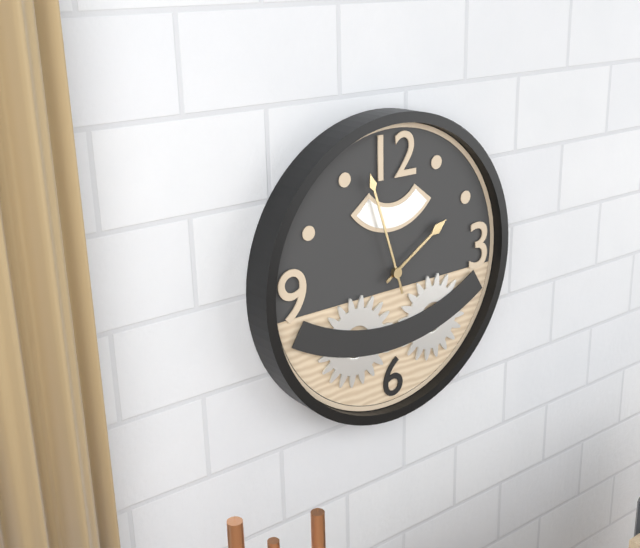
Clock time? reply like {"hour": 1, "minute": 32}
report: {"hour": 1, "minute": 57}
